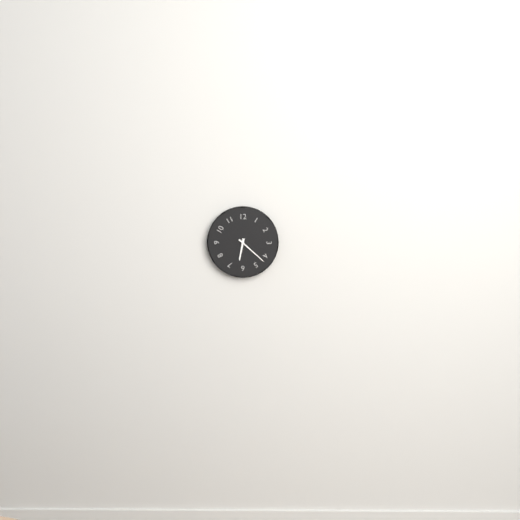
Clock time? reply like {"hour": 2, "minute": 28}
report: {"hour": 6, "minute": 22}
